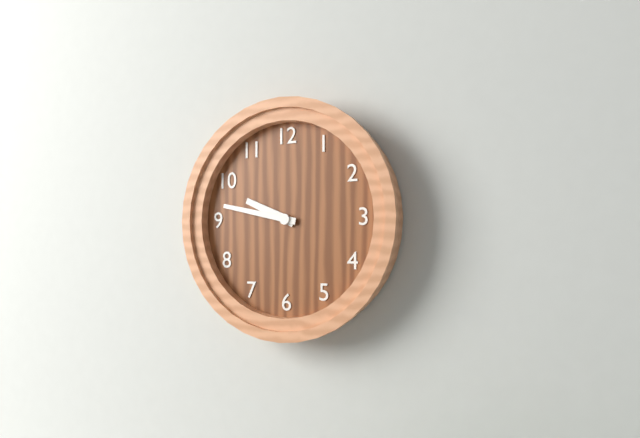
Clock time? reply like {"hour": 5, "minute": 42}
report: {"hour": 9, "minute": 47}
